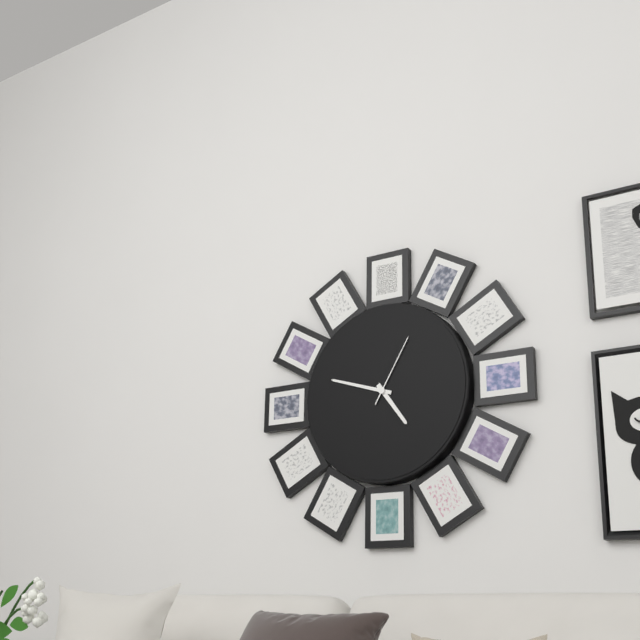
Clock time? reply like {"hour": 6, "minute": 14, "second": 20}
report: {"hour": 4, "minute": 48, "second": 5}
